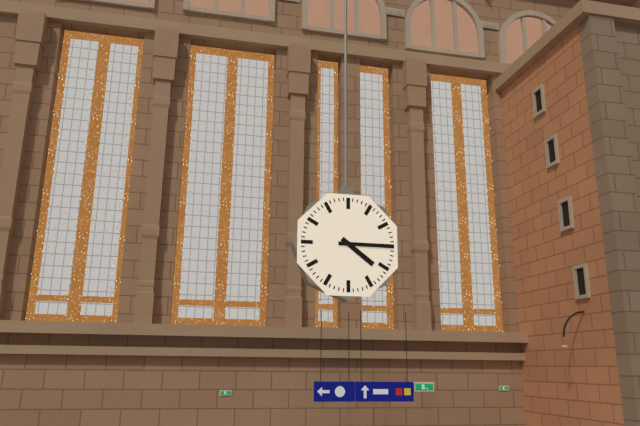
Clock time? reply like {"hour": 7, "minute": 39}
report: {"hour": 4, "minute": 15}
